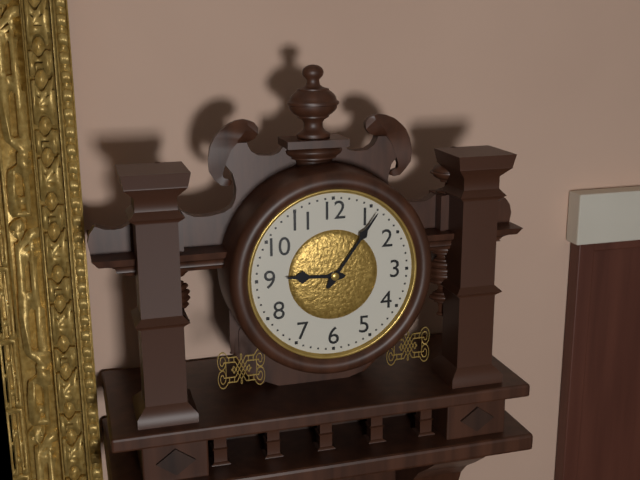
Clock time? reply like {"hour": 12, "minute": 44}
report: {"hour": 9, "minute": 6}
